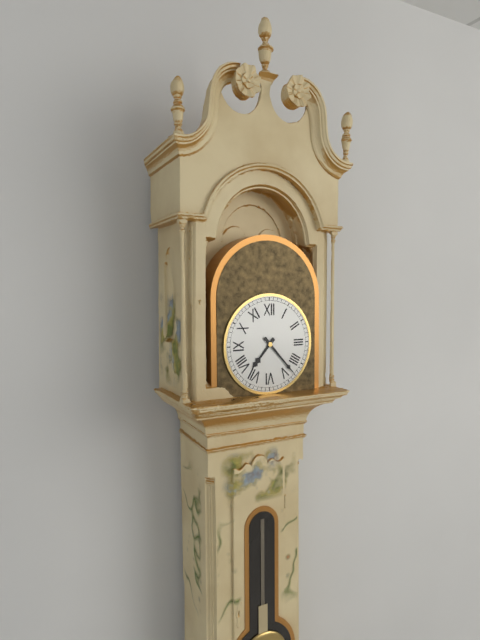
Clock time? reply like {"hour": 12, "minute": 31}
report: {"hour": 7, "minute": 23}
